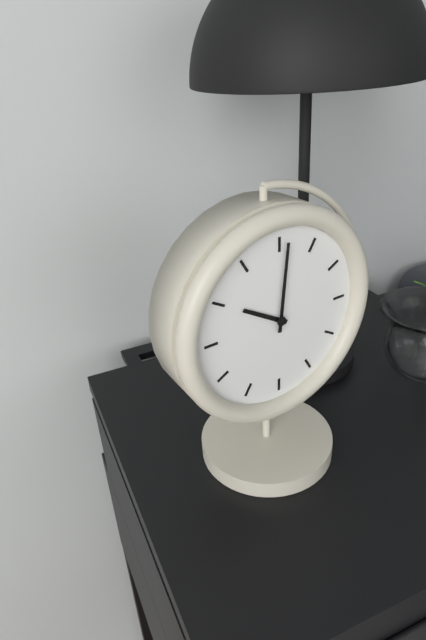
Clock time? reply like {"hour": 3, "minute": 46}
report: {"hour": 10, "minute": 1}
